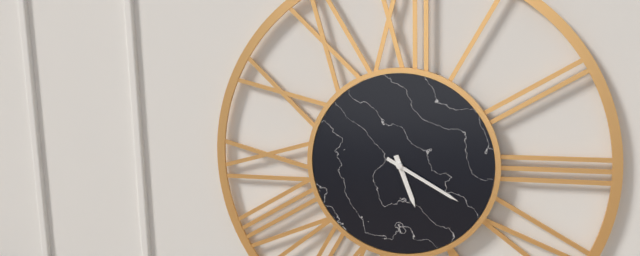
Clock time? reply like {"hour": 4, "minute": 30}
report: {"hour": 5, "minute": 20}
